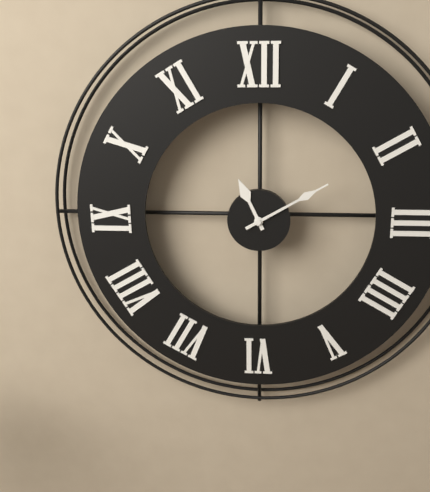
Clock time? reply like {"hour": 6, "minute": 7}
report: {"hour": 11, "minute": 10}
